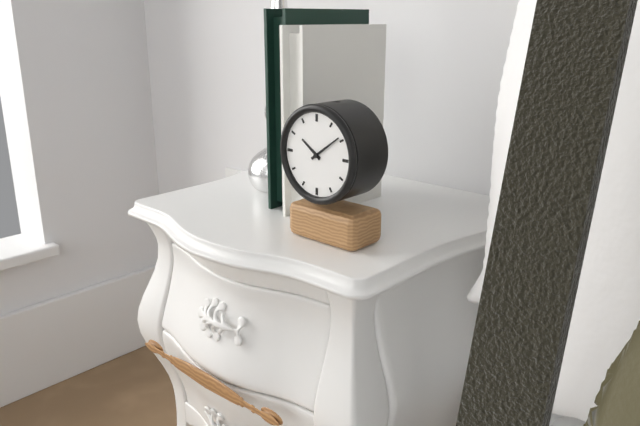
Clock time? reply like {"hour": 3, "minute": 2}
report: {"hour": 10, "minute": 9}
